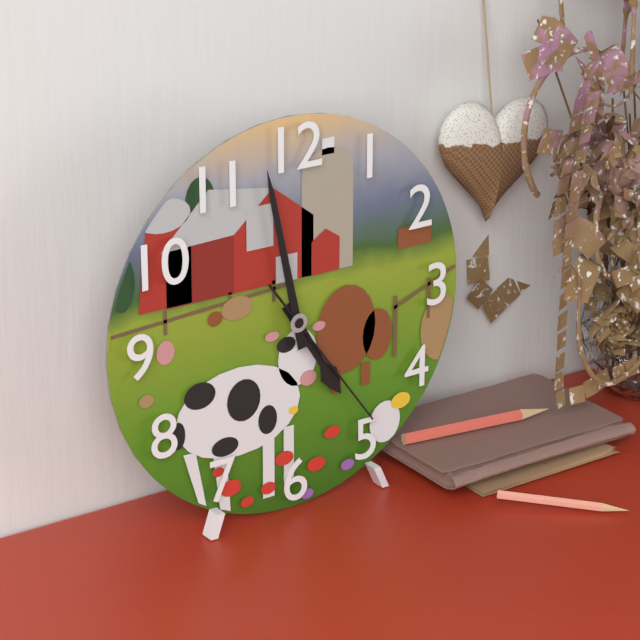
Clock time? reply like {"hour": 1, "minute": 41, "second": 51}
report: {"hour": 4, "minute": 58, "second": 24}
